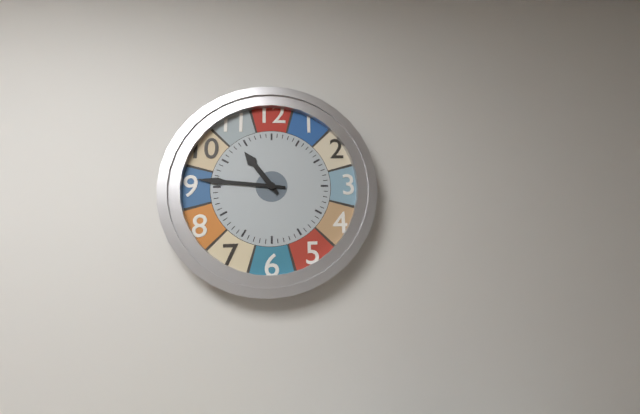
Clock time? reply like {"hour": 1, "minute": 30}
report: {"hour": 10, "minute": 46}
